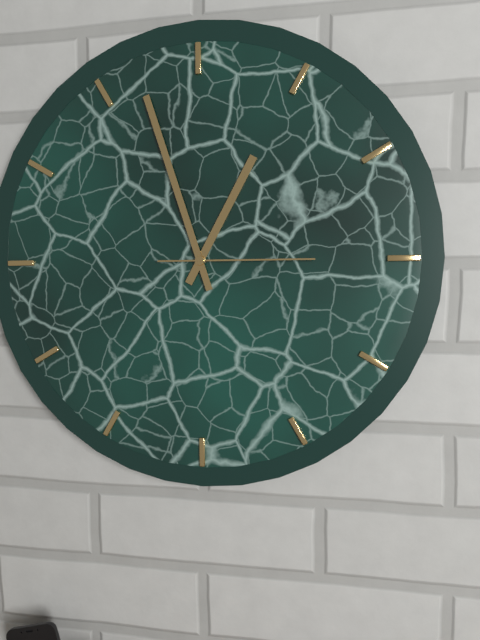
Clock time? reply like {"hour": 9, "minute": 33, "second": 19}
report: {"hour": 12, "minute": 57, "second": 15}
